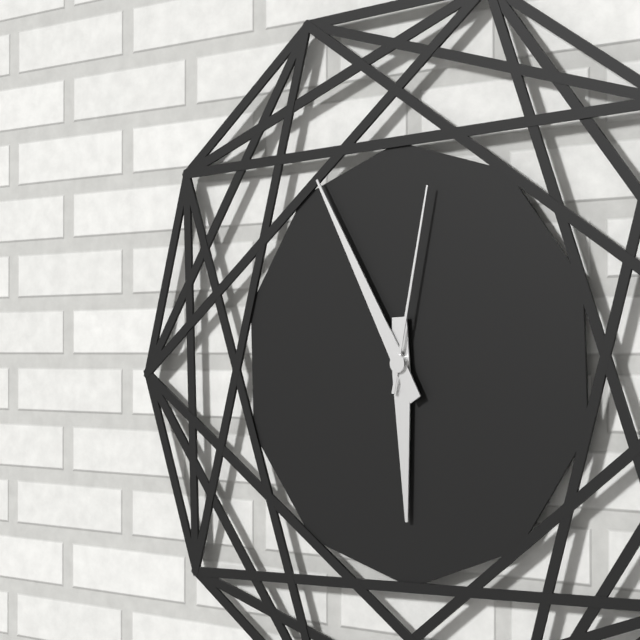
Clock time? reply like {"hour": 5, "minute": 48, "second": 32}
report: {"hour": 5, "minute": 55, "second": 2}
